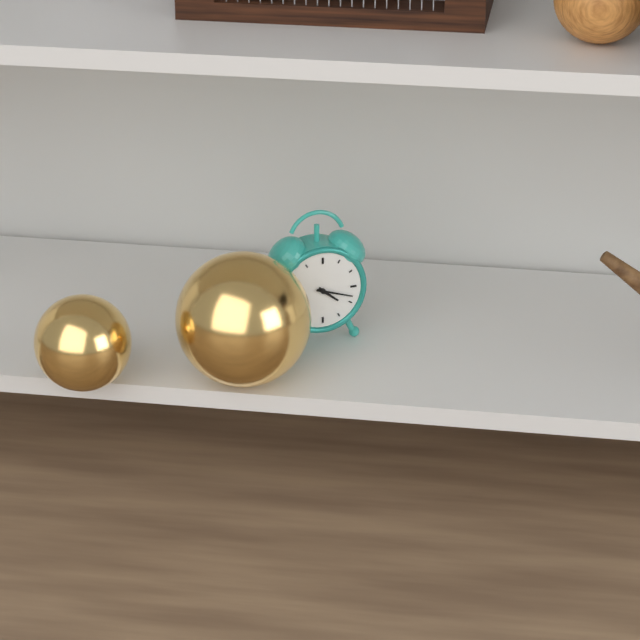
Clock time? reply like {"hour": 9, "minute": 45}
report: {"hour": 4, "minute": 18}
